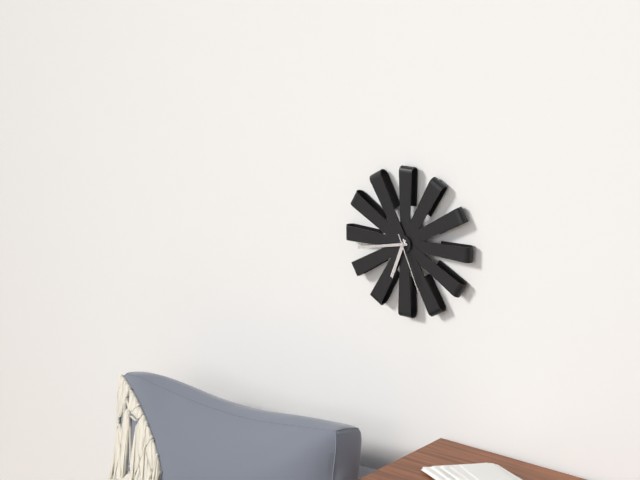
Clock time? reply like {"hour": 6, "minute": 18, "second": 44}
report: {"hour": 6, "minute": 43, "second": 26}
